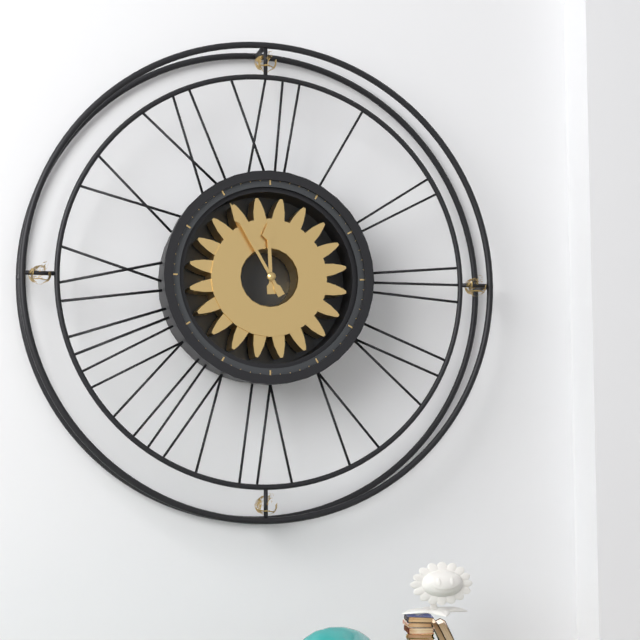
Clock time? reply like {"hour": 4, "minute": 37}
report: {"hour": 11, "minute": 55}
